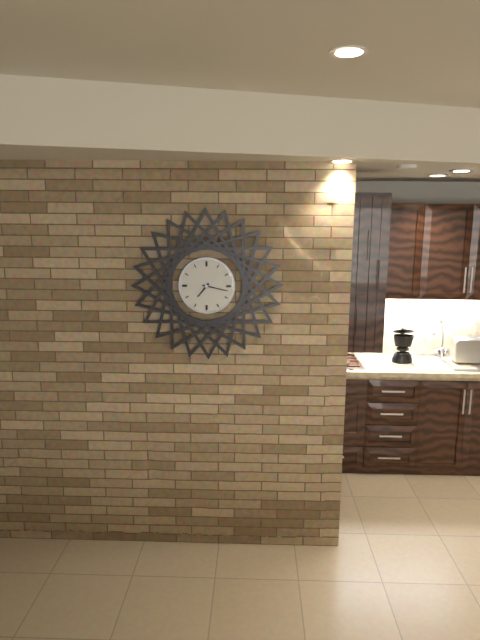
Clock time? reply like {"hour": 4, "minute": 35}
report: {"hour": 7, "minute": 17}
